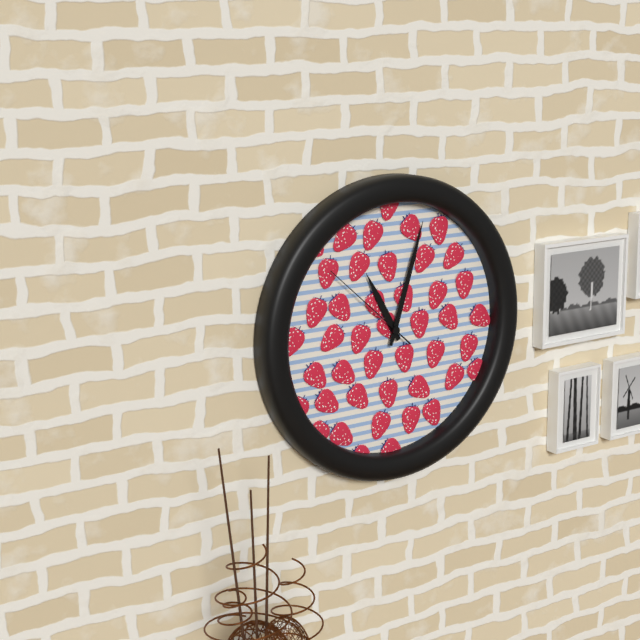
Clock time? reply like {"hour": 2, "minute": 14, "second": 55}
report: {"hour": 11, "minute": 3, "second": 52}
